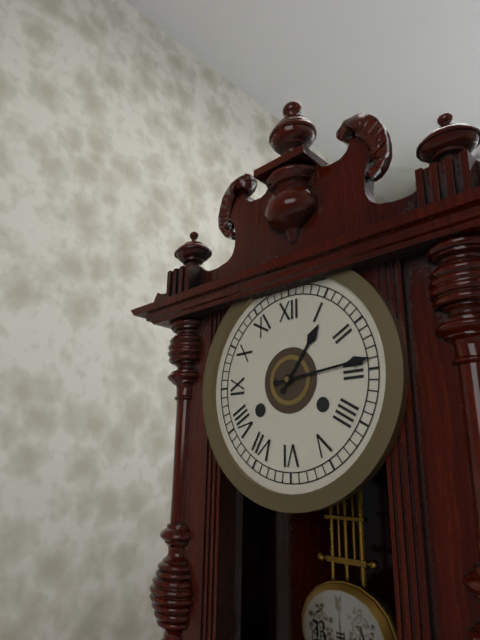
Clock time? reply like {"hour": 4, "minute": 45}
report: {"hour": 1, "minute": 14}
